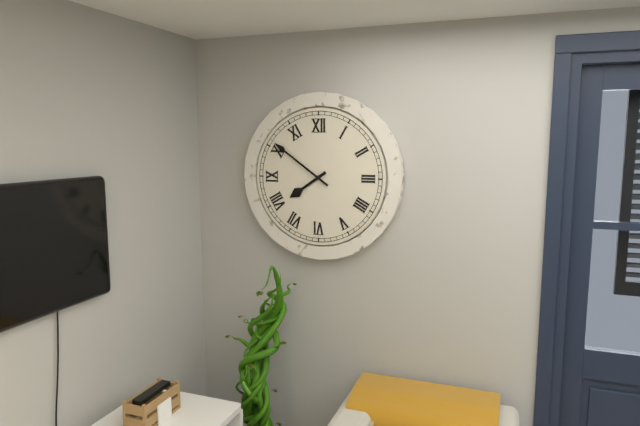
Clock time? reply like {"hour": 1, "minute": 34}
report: {"hour": 7, "minute": 51}
